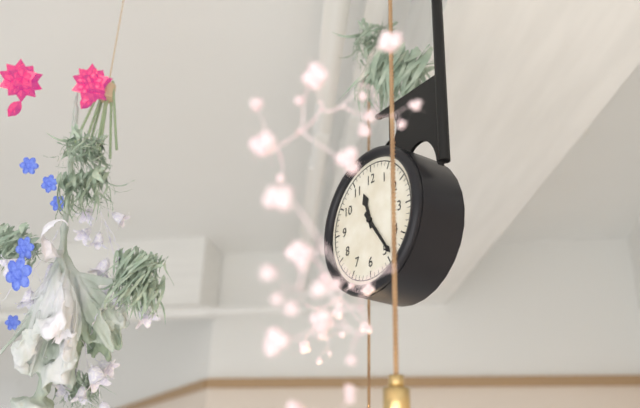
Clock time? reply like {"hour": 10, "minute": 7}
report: {"hour": 11, "minute": 24}
